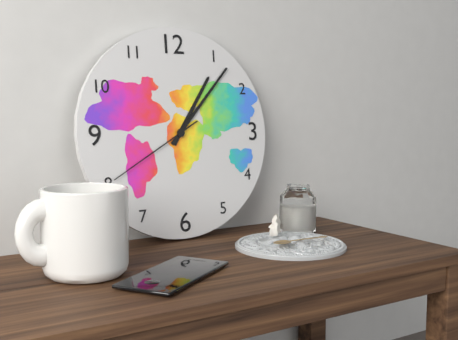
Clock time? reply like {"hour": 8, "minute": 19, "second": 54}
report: {"hour": 1, "minute": 7, "second": 40}
